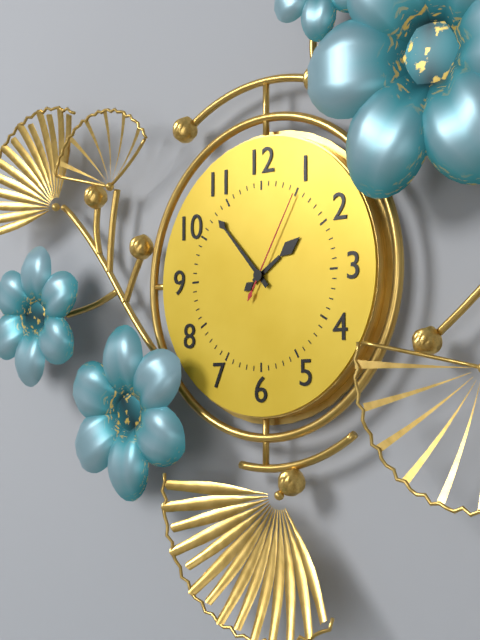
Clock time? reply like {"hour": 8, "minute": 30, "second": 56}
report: {"hour": 1, "minute": 53, "second": 5}
